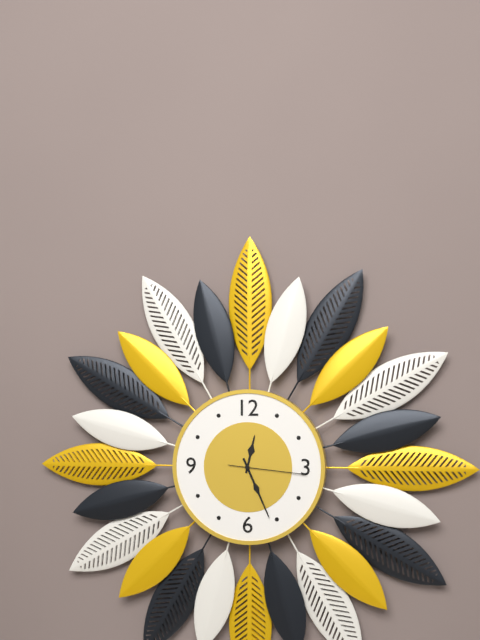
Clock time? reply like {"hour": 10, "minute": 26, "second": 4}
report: {"hour": 12, "minute": 26, "second": 16}
